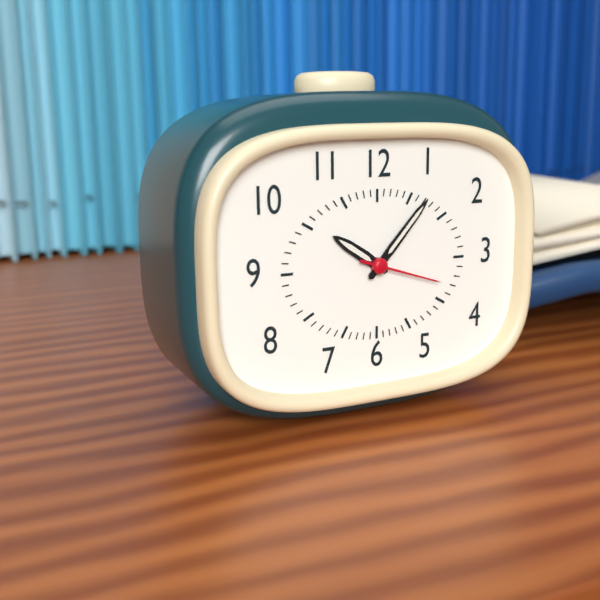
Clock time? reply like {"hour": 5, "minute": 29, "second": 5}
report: {"hour": 10, "minute": 7, "second": 18}
